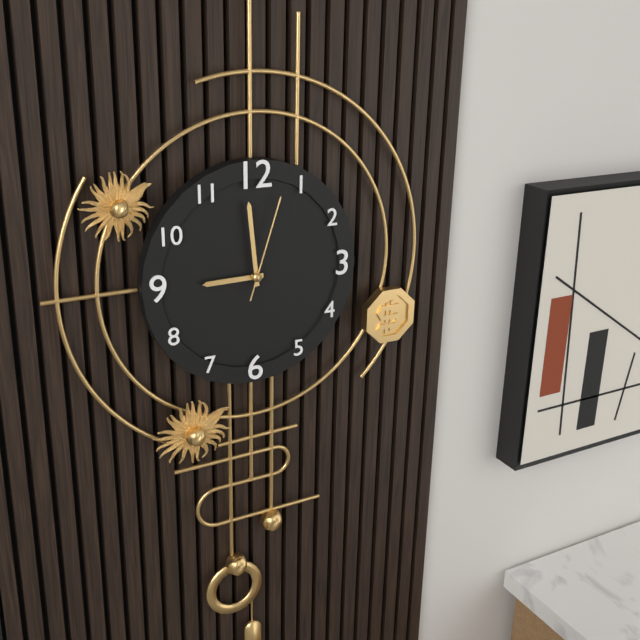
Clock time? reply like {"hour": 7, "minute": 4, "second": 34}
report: {"hour": 8, "minute": 59, "second": 3}
